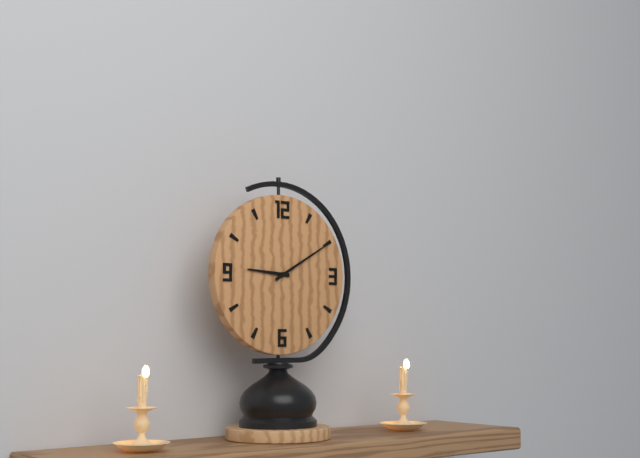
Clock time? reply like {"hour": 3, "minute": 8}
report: {"hour": 9, "minute": 10}
